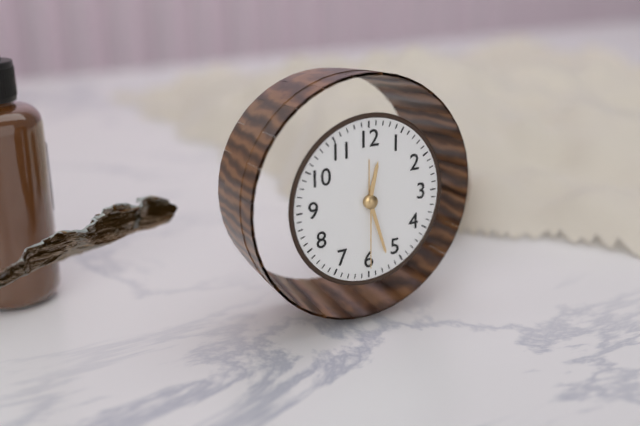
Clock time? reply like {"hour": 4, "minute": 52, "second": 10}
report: {"hour": 12, "minute": 27, "second": 30}
